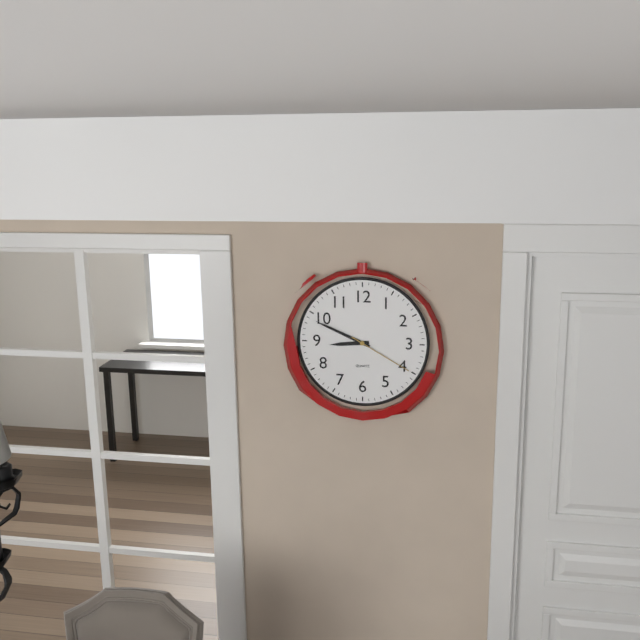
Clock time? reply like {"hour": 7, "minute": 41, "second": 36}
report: {"hour": 8, "minute": 49, "second": 20}
